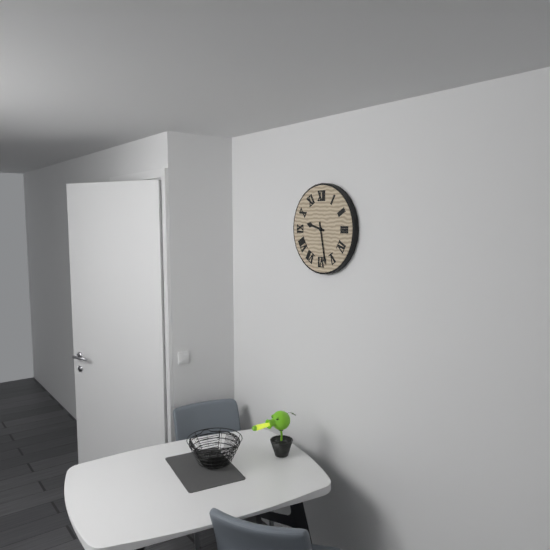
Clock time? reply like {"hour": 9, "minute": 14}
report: {"hour": 9, "minute": 28}
